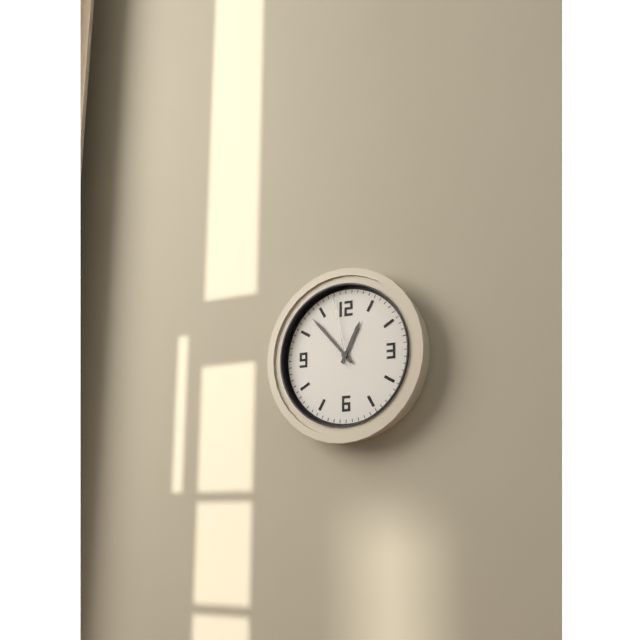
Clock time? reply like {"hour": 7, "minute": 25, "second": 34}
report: {"hour": 12, "minute": 53, "second": 58}
